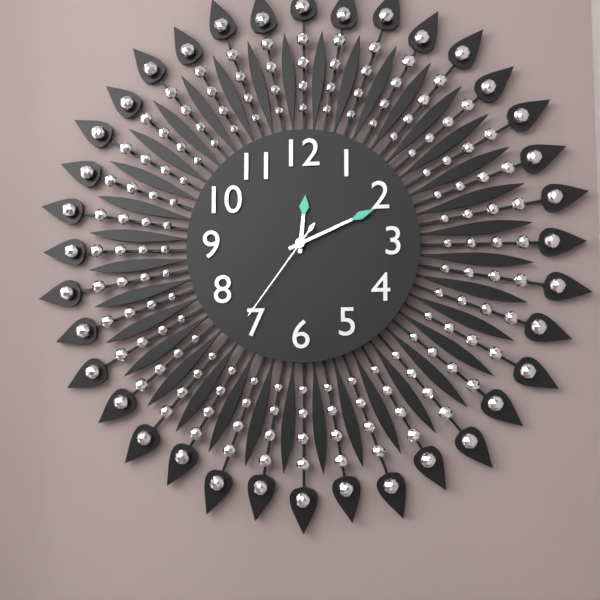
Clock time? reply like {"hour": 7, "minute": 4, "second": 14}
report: {"hour": 12, "minute": 11, "second": 36}
